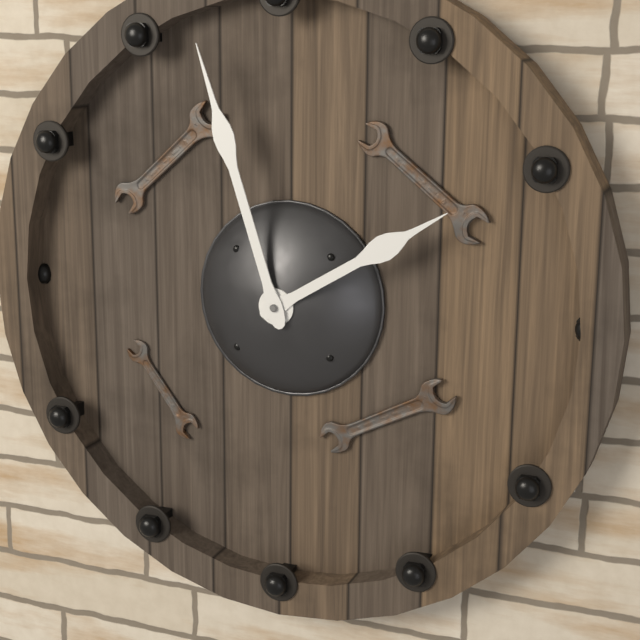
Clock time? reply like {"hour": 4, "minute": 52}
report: {"hour": 1, "minute": 57}
